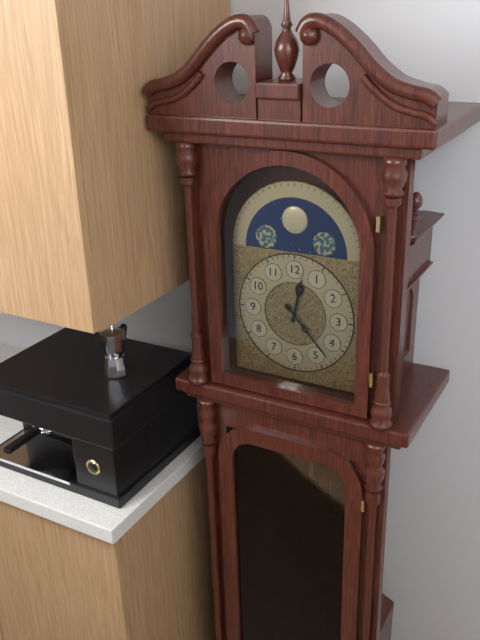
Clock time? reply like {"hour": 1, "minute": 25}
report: {"hour": 12, "minute": 23}
